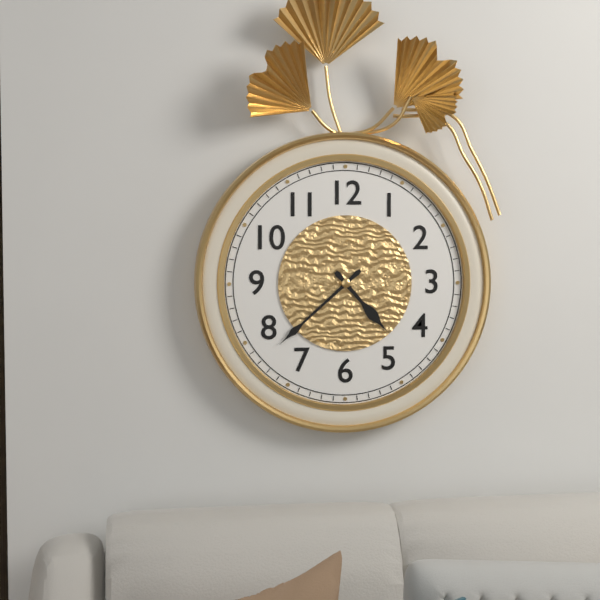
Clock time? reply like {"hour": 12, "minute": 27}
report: {"hour": 4, "minute": 38}
